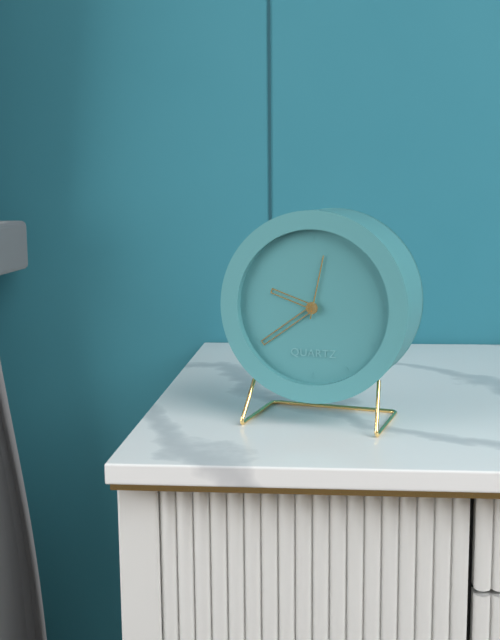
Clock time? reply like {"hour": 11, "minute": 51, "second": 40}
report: {"hour": 9, "minute": 39, "second": 2}
